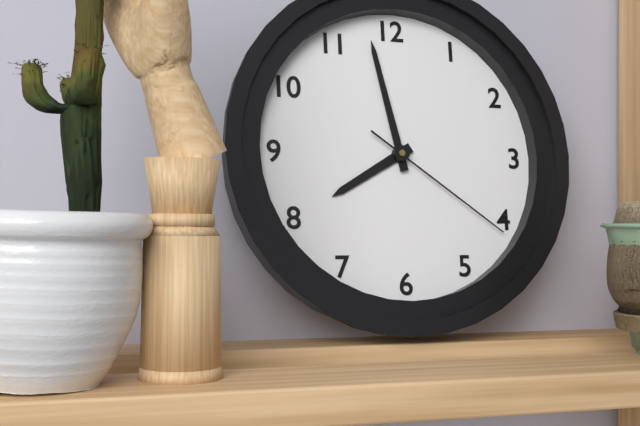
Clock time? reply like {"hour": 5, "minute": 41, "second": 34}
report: {"hour": 7, "minute": 58, "second": 21}
